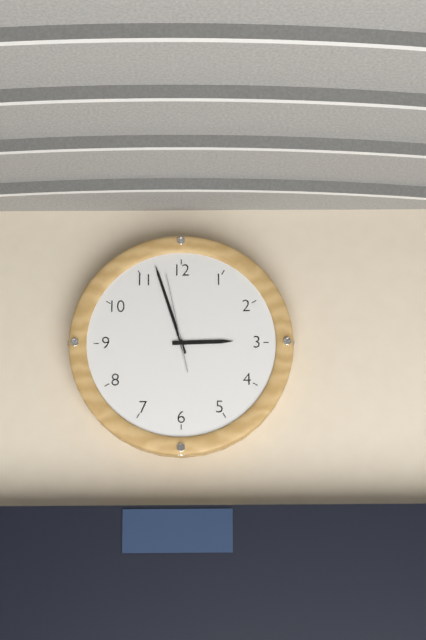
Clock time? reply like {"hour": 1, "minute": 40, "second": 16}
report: {"hour": 2, "minute": 57, "second": 58}
